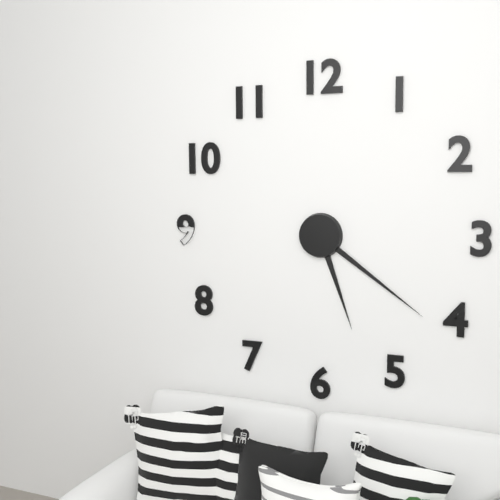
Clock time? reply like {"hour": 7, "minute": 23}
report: {"hour": 5, "minute": 21}
